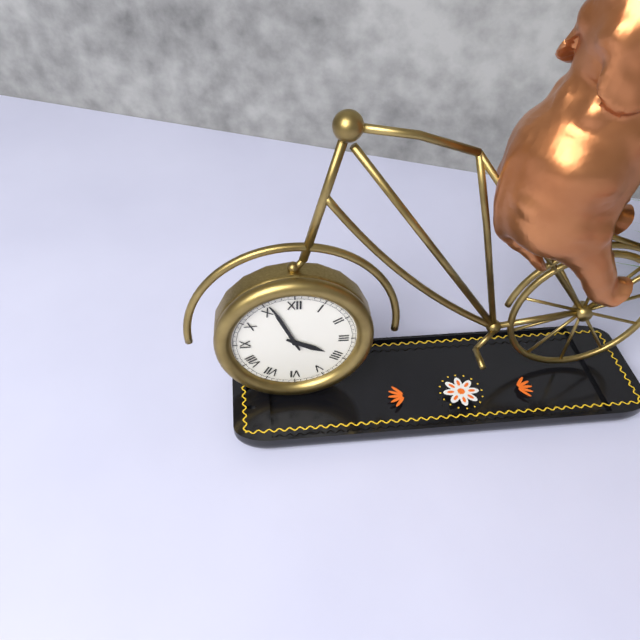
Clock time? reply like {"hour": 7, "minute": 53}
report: {"hour": 3, "minute": 56}
